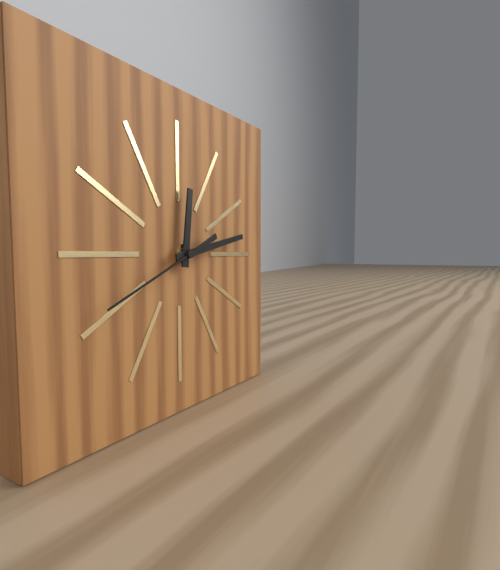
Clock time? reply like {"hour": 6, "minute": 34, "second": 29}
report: {"hour": 12, "minute": 13, "second": 41}
